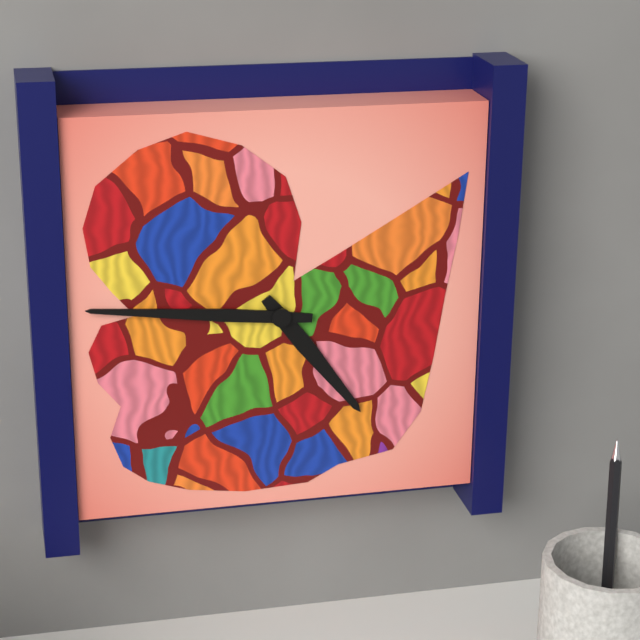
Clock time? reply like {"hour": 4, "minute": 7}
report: {"hour": 4, "minute": 46}
